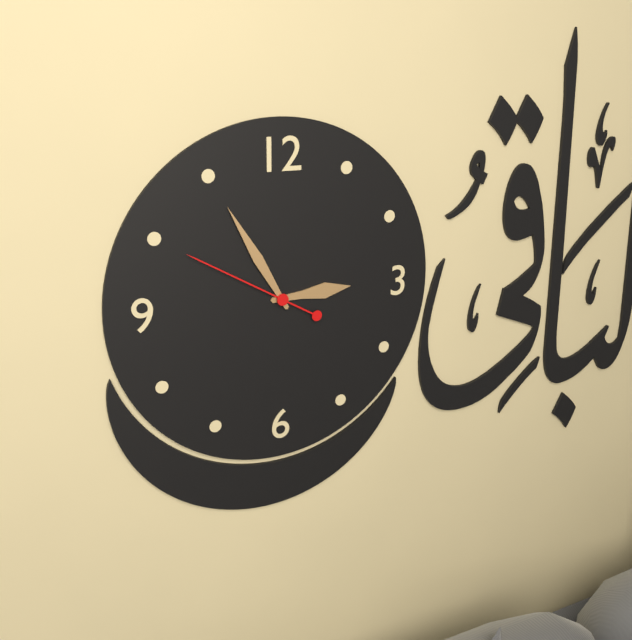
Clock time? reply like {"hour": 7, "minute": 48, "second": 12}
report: {"hour": 2, "minute": 55, "second": 50}
